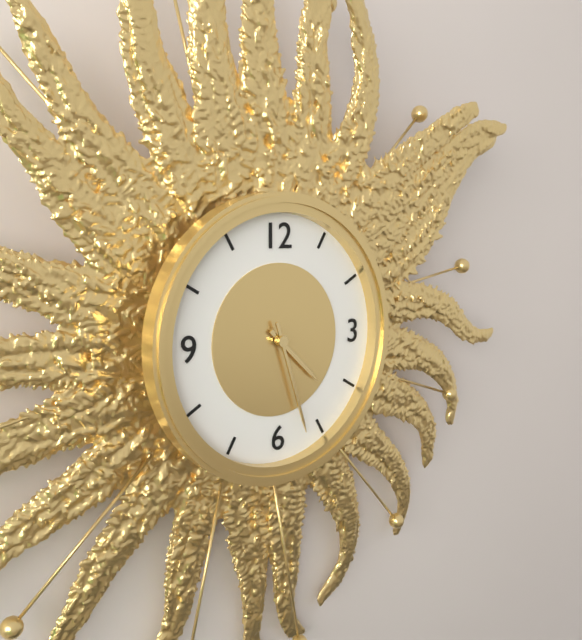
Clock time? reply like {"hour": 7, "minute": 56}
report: {"hour": 4, "minute": 27}
